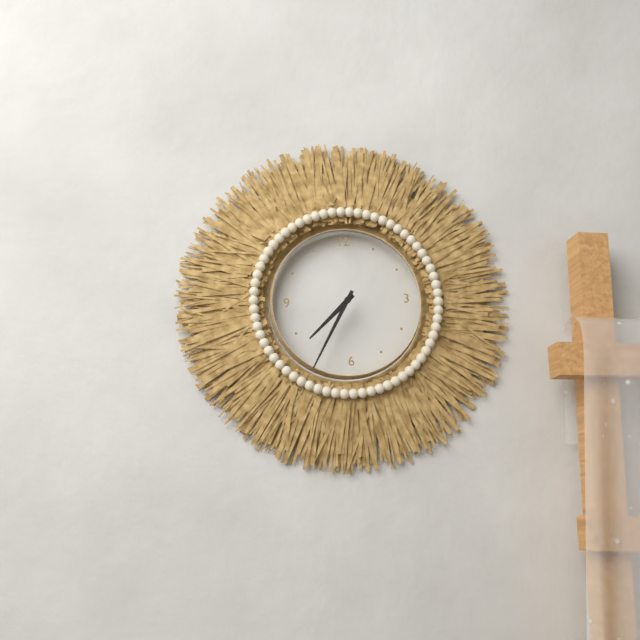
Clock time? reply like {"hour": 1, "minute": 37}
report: {"hour": 7, "minute": 35}
